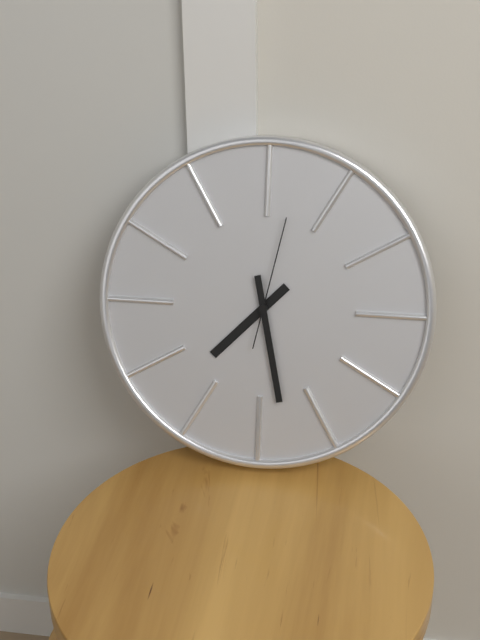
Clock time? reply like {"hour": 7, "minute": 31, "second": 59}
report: {"hour": 7, "minute": 28, "second": 2}
